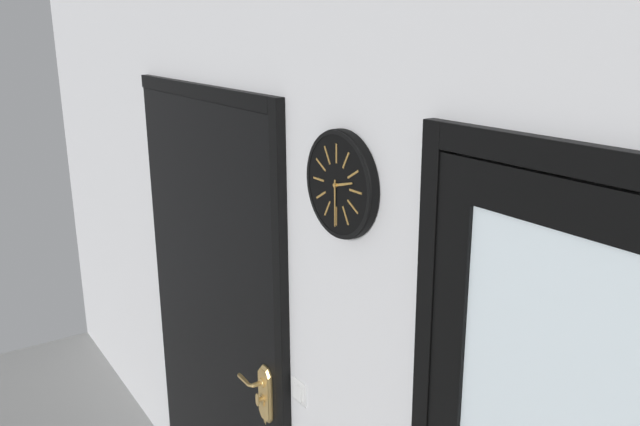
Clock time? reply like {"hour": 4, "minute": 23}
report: {"hour": 2, "minute": 30}
